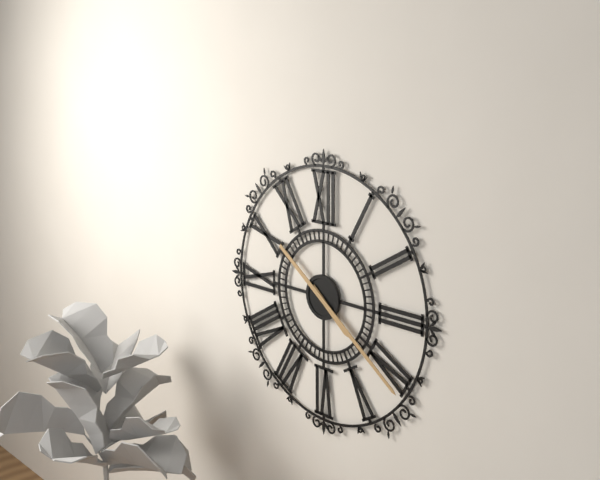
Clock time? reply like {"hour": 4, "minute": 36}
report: {"hour": 4, "minute": 21}
